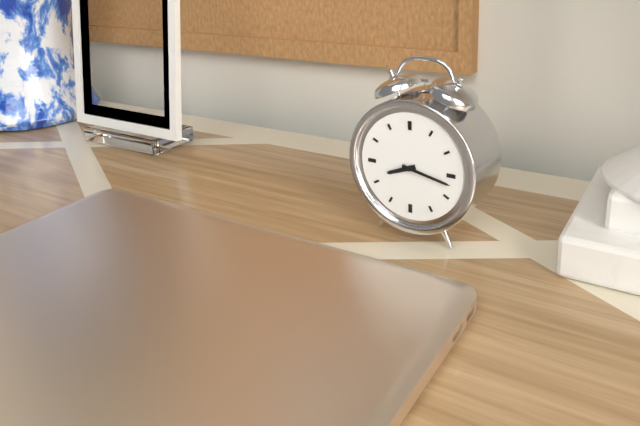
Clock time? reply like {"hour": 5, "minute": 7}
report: {"hour": 8, "minute": 17}
